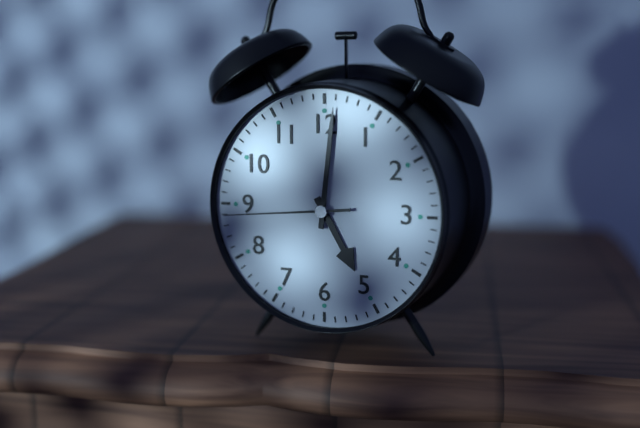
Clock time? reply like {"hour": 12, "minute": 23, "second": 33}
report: {"hour": 5, "minute": 1, "second": 44}
